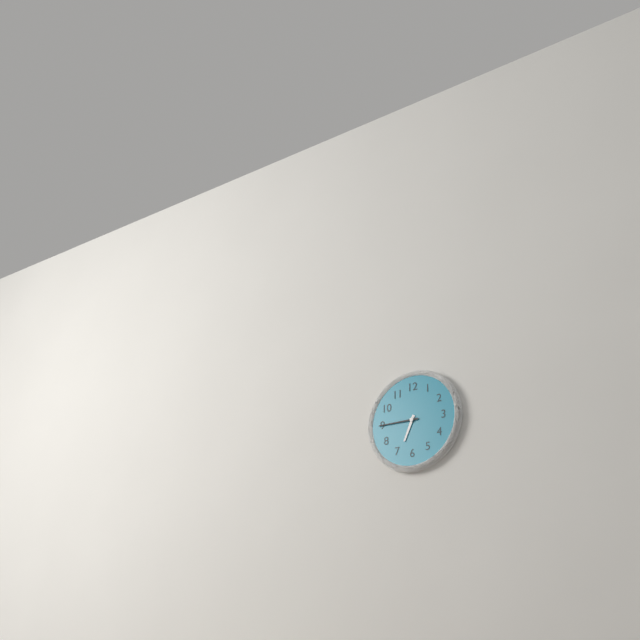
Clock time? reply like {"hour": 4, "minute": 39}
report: {"hour": 6, "minute": 45}
